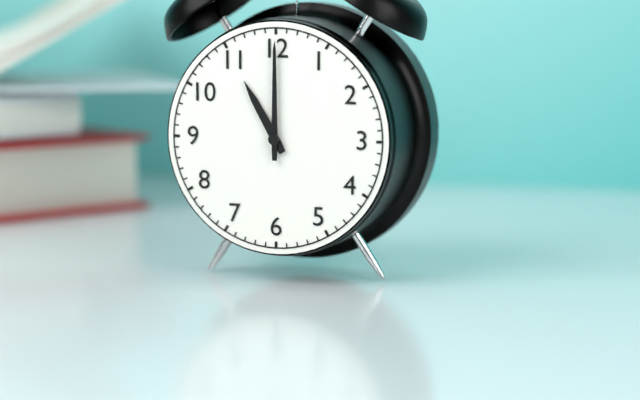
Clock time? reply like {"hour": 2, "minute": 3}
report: {"hour": 11, "minute": 0}
